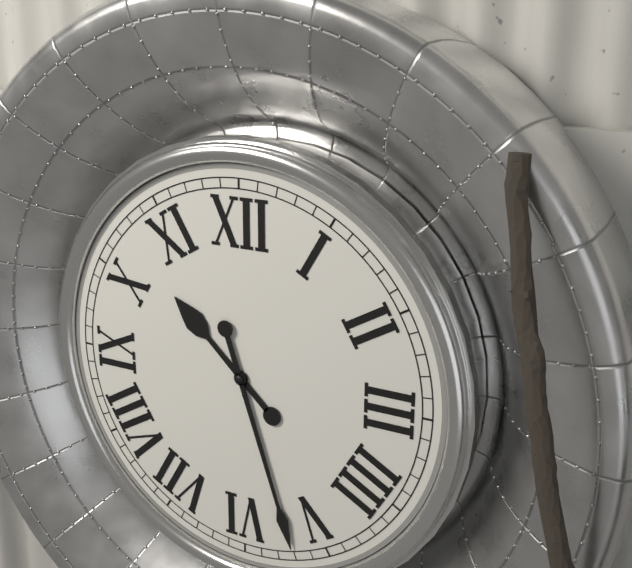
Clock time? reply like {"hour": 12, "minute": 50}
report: {"hour": 10, "minute": 27}
